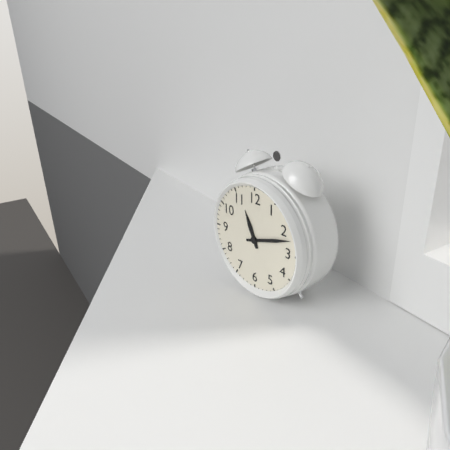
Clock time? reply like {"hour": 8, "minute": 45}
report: {"hour": 11, "minute": 12}
